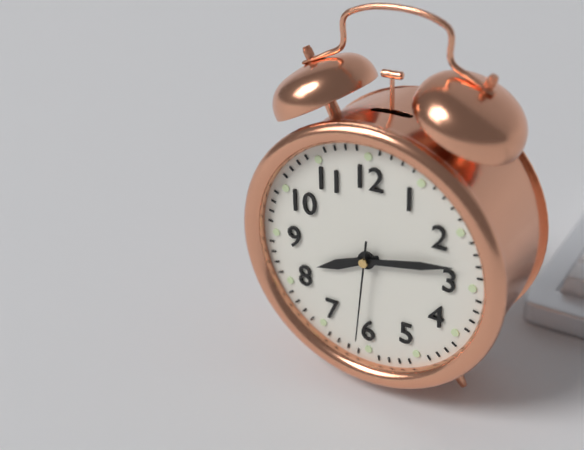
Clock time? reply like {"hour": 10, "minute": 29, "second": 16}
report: {"hour": 8, "minute": 13, "second": 31}
